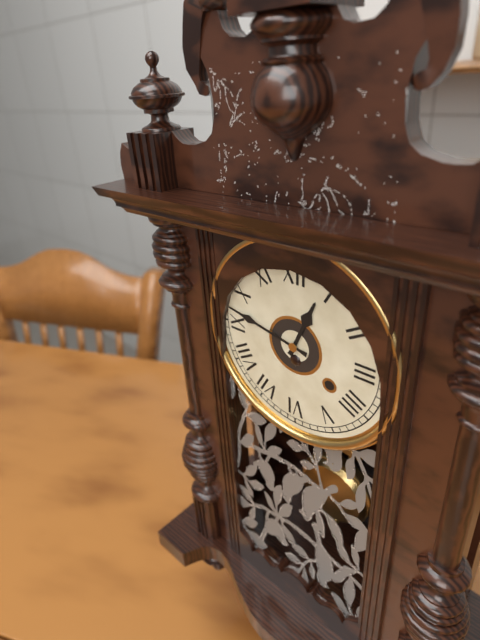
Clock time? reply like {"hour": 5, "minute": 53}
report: {"hour": 12, "minute": 47}
